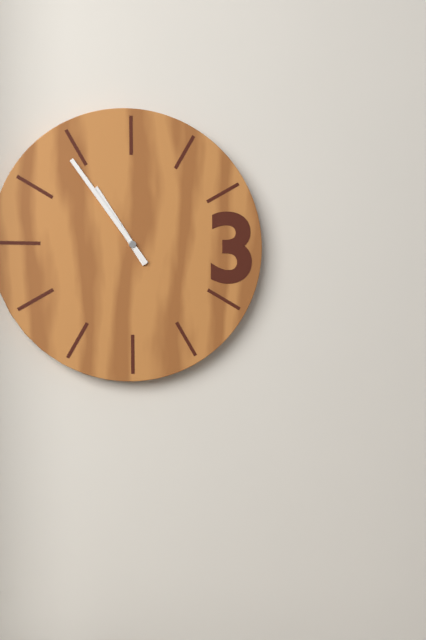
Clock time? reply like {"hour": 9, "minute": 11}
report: {"hour": 10, "minute": 54}
